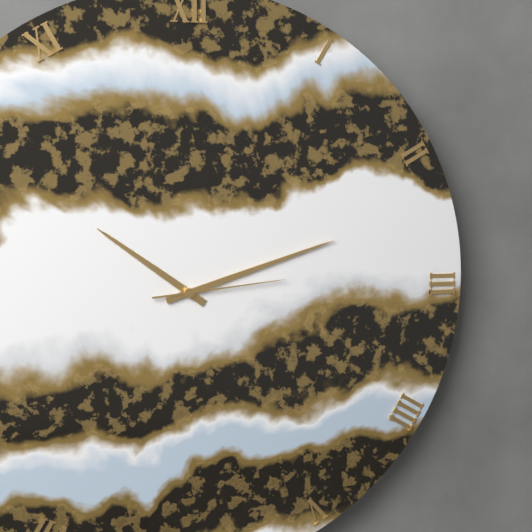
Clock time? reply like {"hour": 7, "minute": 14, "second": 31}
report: {"hour": 10, "minute": 12, "second": 14}
